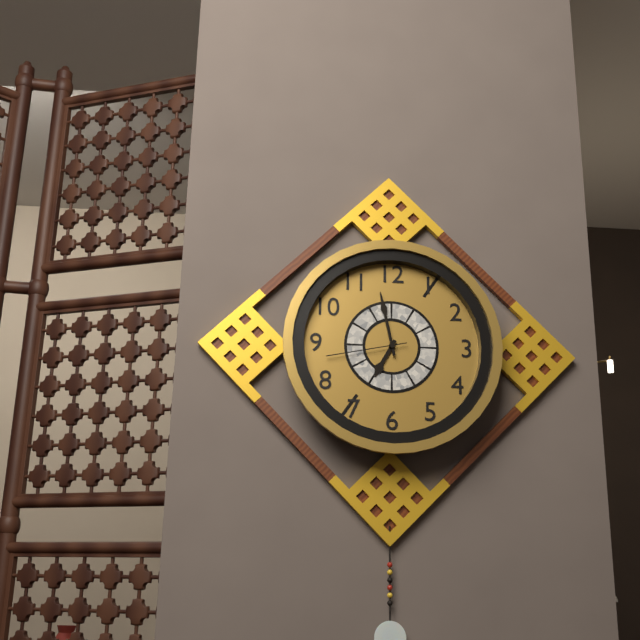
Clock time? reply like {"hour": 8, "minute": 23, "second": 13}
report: {"hour": 6, "minute": 58, "second": 43}
